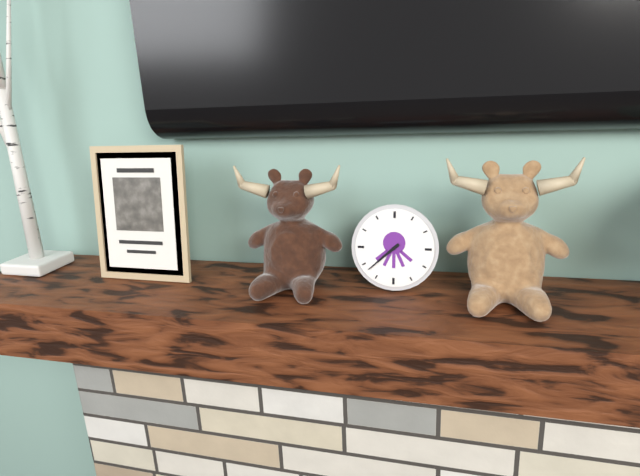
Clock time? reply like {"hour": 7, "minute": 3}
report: {"hour": 7, "minute": 38}
